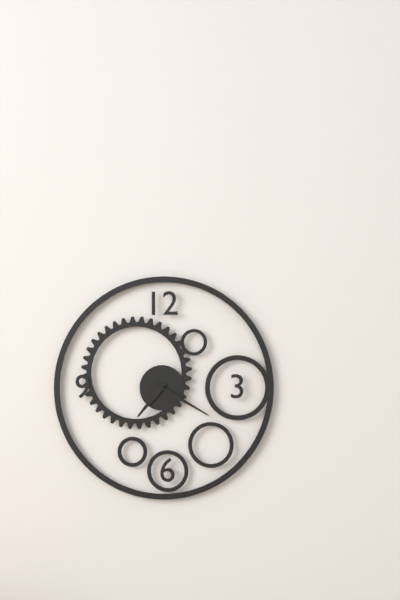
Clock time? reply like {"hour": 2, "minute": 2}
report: {"hour": 7, "minute": 20}
